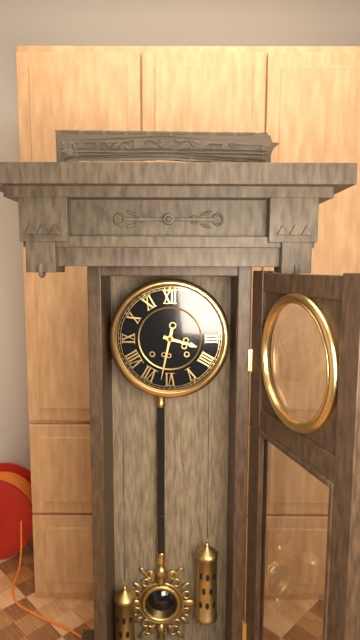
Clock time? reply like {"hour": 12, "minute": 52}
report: {"hour": 3, "minute": 32}
